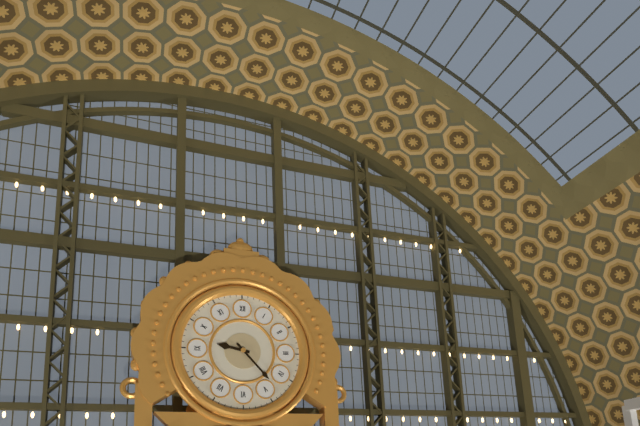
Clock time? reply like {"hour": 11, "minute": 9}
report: {"hour": 9, "minute": 23}
